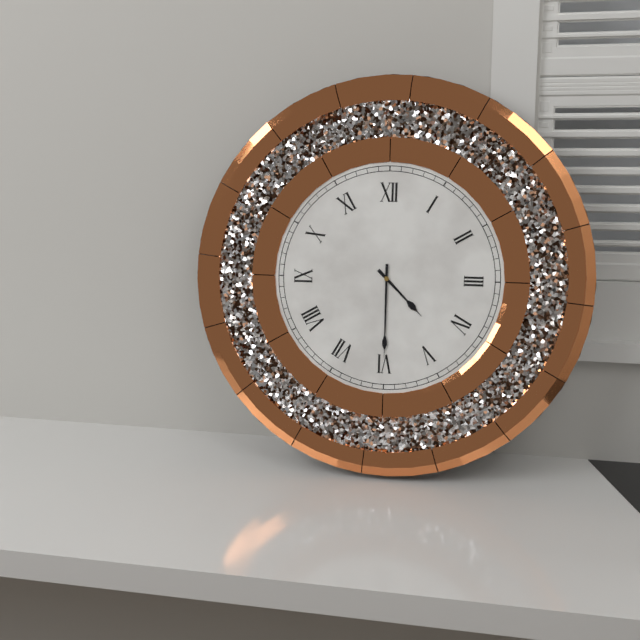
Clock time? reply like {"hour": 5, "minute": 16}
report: {"hour": 4, "minute": 30}
